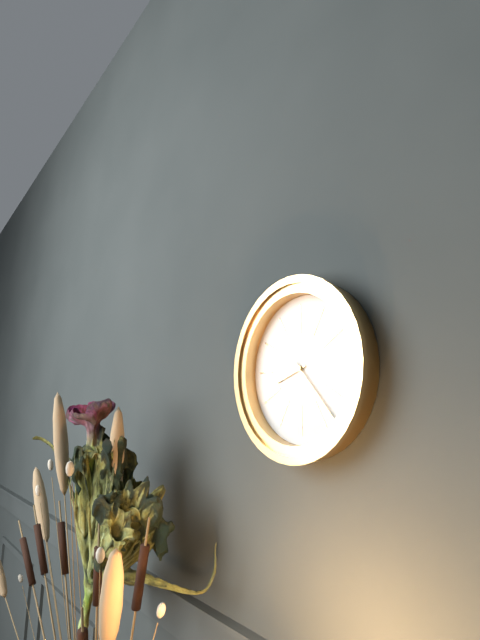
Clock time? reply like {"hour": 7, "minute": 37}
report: {"hour": 8, "minute": 23}
